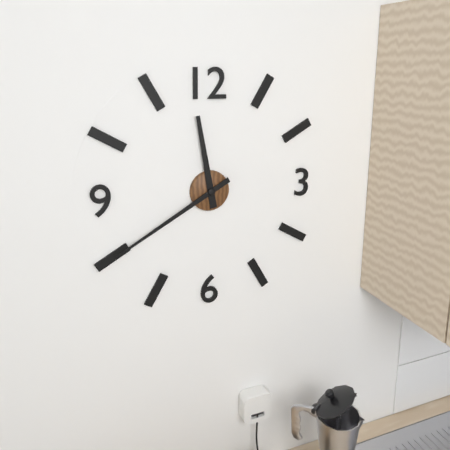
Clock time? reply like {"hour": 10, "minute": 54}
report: {"hour": 11, "minute": 40}
